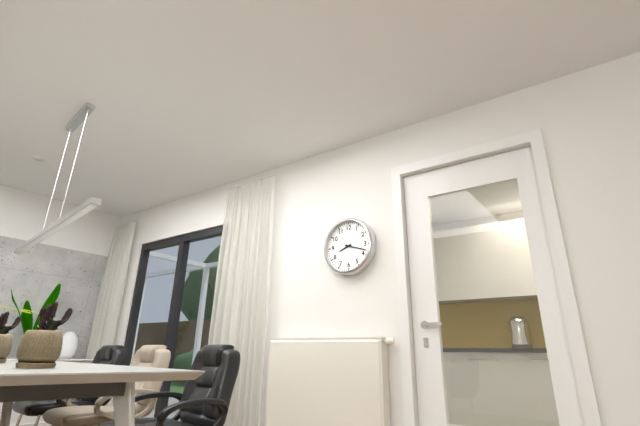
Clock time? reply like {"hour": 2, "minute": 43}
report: {"hour": 8, "minute": 18}
